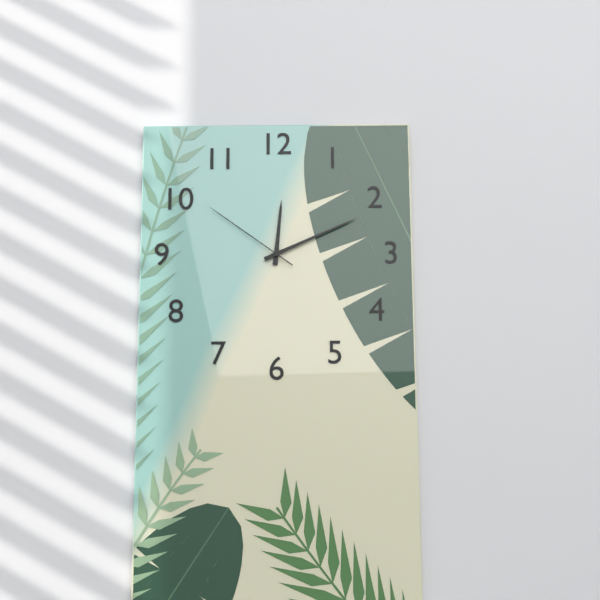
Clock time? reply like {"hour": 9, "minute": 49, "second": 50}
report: {"hour": 12, "minute": 11, "second": 51}
